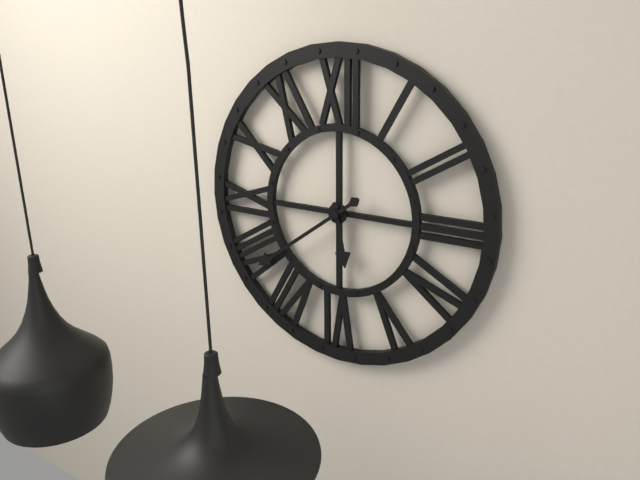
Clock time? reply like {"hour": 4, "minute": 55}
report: {"hour": 5, "minute": 39}
